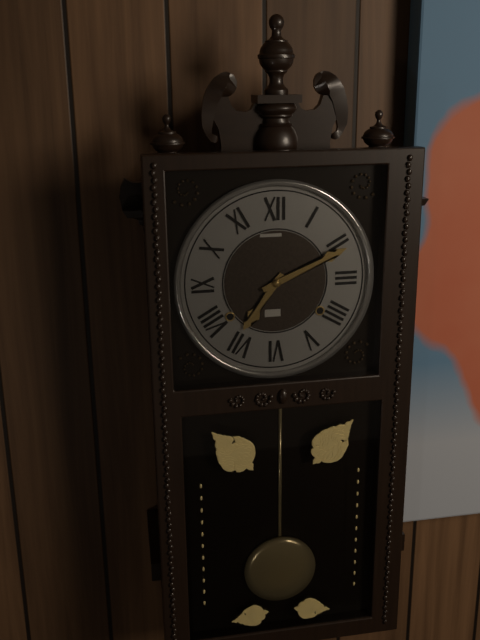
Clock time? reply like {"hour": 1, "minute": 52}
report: {"hour": 7, "minute": 11}
